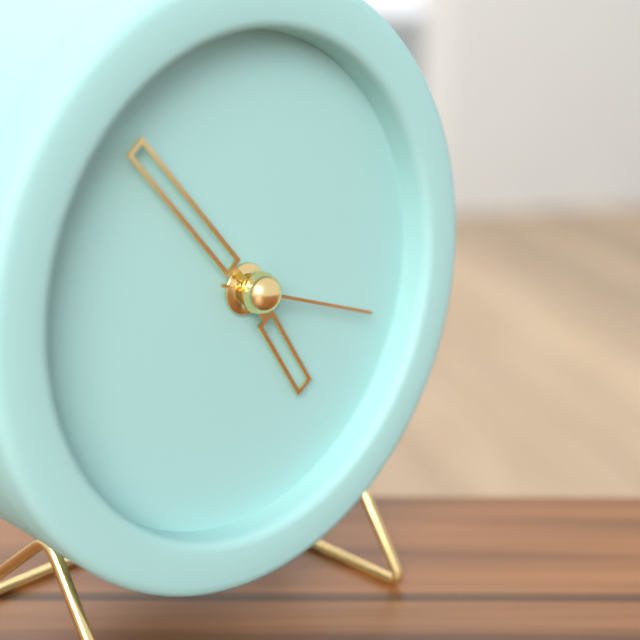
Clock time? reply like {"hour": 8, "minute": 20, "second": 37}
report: {"hour": 4, "minute": 53, "second": 18}
